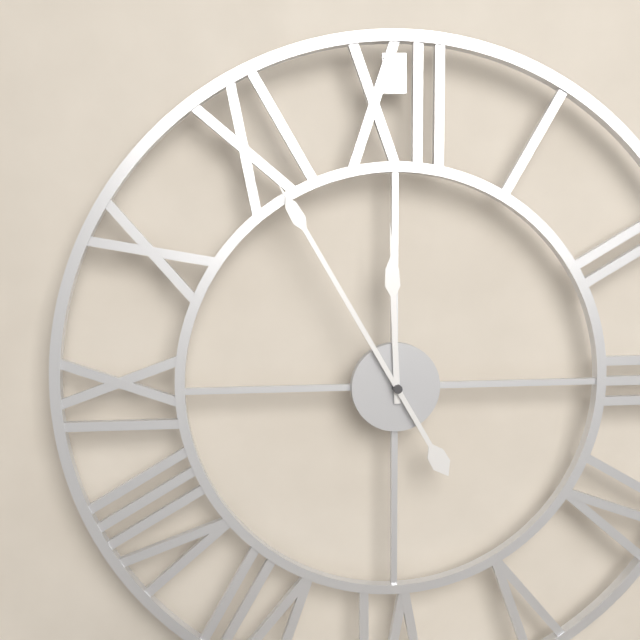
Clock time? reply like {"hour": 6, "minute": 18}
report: {"hour": 11, "minute": 55}
